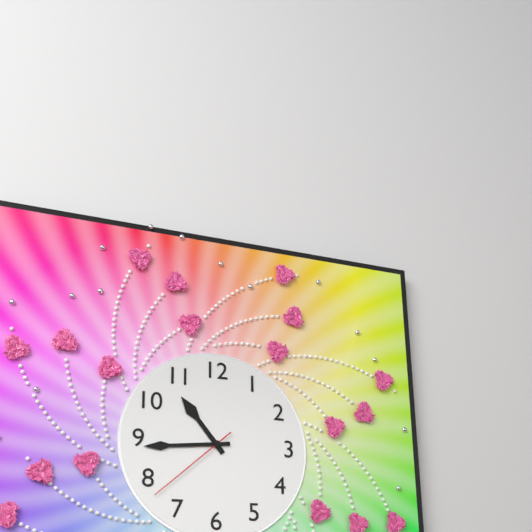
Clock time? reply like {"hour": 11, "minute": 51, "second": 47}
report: {"hour": 10, "minute": 44, "second": 38}
